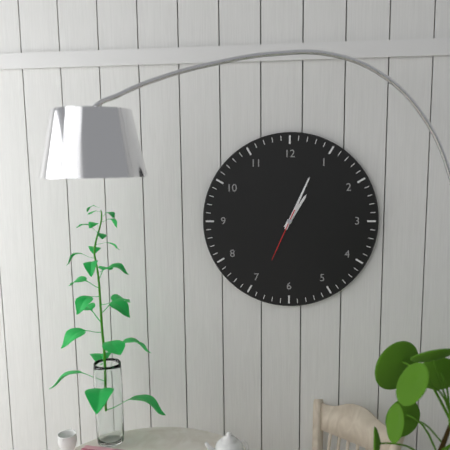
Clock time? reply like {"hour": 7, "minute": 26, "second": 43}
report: {"hour": 1, "minute": 4, "second": 34}
